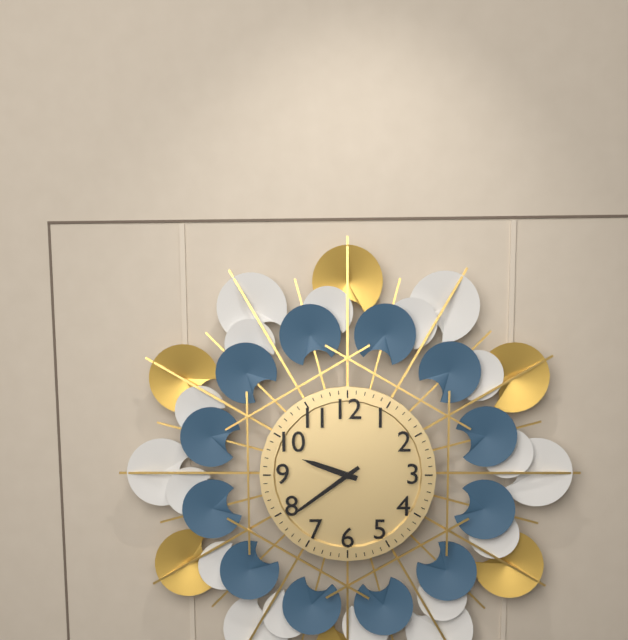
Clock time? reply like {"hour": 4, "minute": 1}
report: {"hour": 9, "minute": 39}
